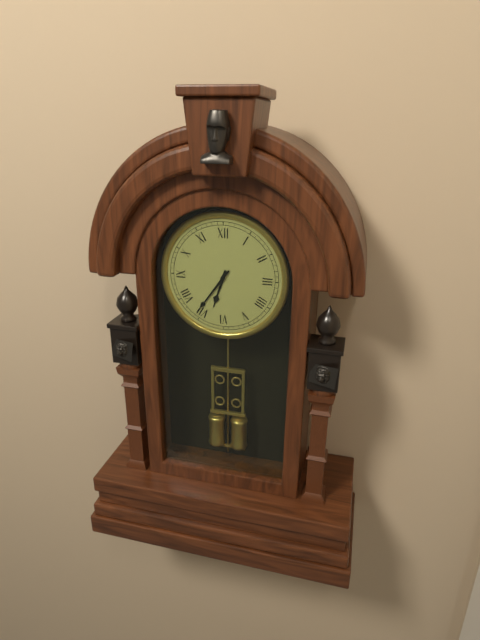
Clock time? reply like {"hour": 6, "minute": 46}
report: {"hour": 6, "minute": 36}
